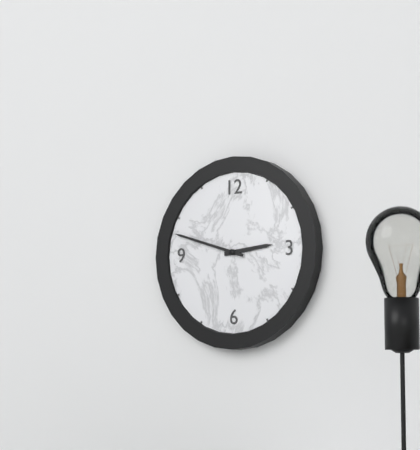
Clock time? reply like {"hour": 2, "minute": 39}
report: {"hour": 2, "minute": 48}
